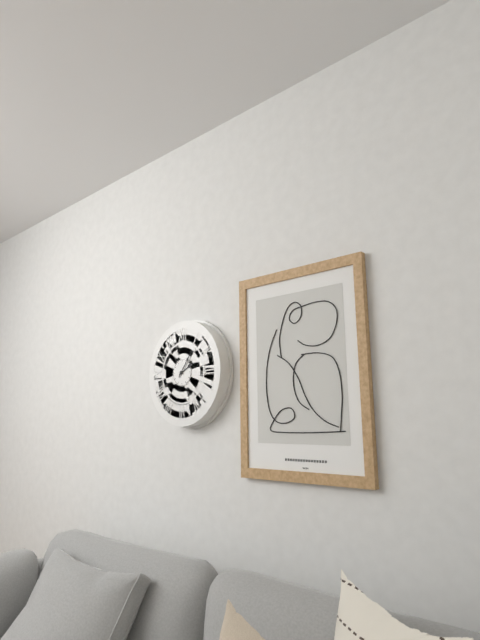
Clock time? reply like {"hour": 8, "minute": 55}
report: {"hour": 2, "minute": 6}
